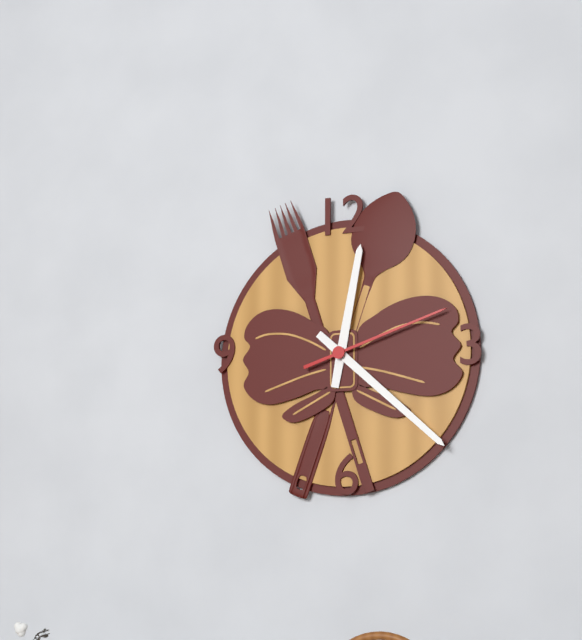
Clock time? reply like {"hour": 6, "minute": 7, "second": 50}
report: {"hour": 12, "minute": 22, "second": 12}
